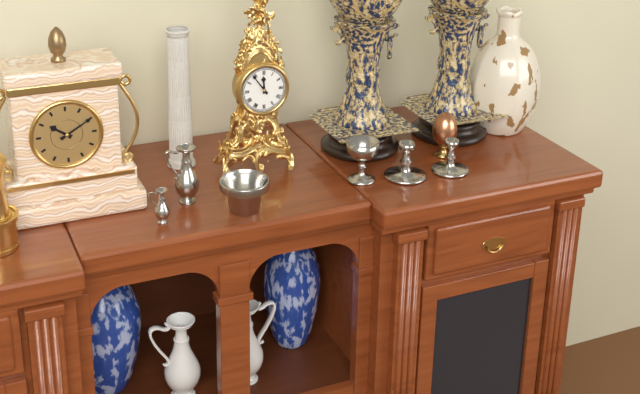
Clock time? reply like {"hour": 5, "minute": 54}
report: {"hour": 11, "minute": 54}
